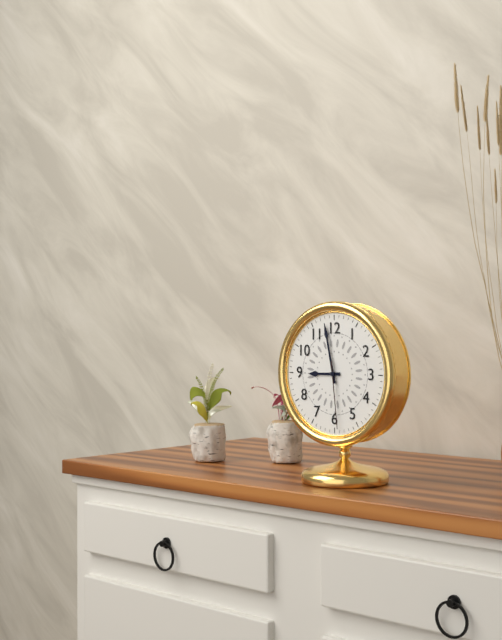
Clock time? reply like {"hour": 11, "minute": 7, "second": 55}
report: {"hour": 8, "minute": 58, "second": 29}
